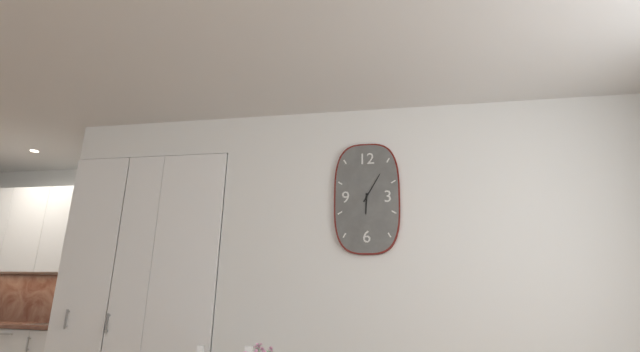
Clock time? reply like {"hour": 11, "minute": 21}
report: {"hour": 6, "minute": 5}
